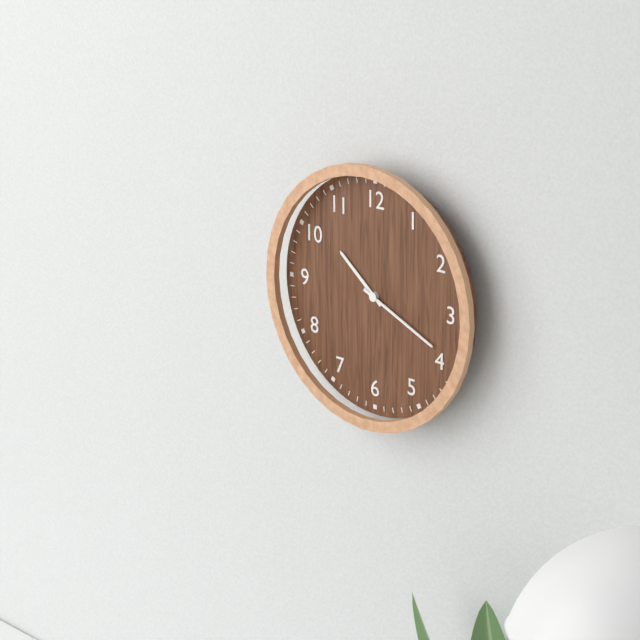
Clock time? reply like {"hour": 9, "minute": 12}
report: {"hour": 10, "minute": 19}
